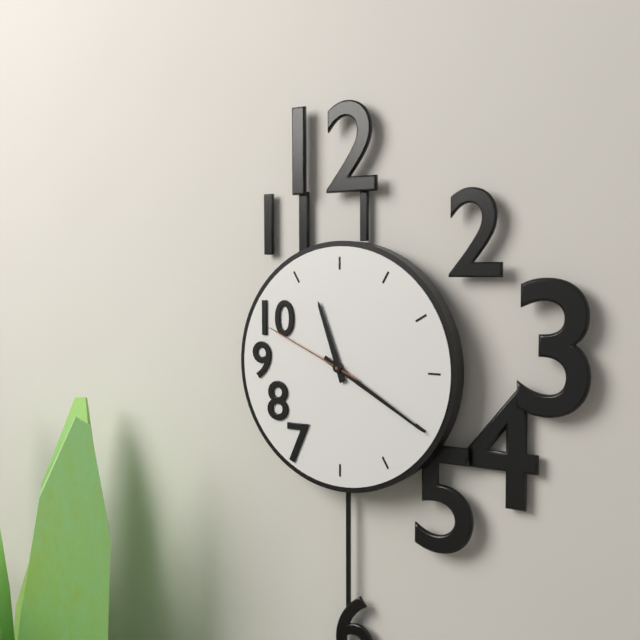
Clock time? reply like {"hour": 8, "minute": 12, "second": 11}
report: {"hour": 11, "minute": 20, "second": 49}
